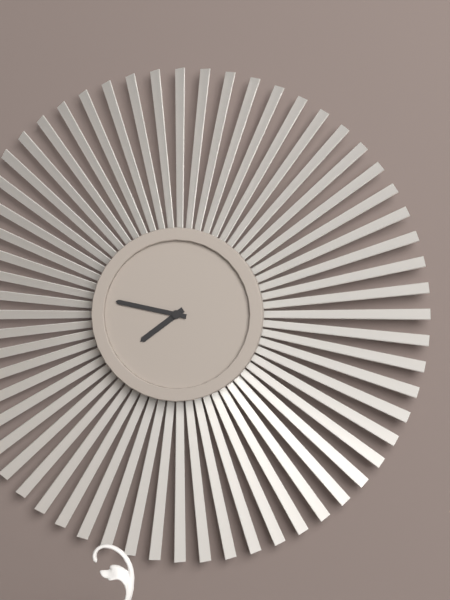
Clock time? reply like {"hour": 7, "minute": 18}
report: {"hour": 7, "minute": 47}
